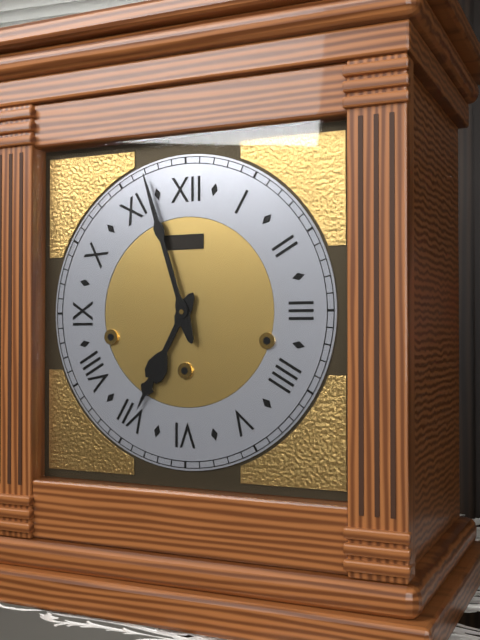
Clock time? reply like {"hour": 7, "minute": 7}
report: {"hour": 6, "minute": 57}
